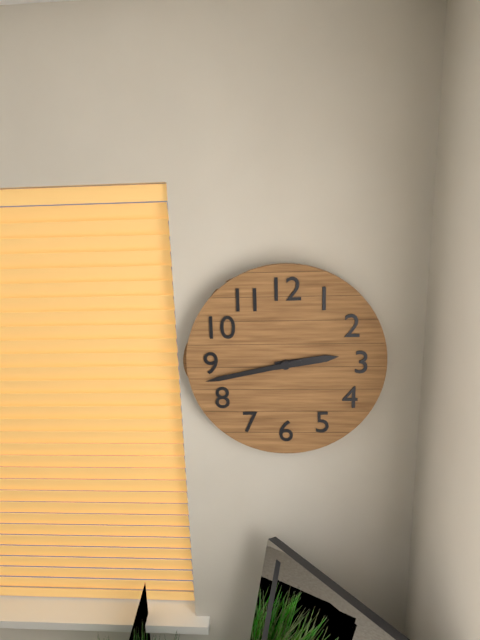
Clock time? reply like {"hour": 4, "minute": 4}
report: {"hour": 2, "minute": 43}
